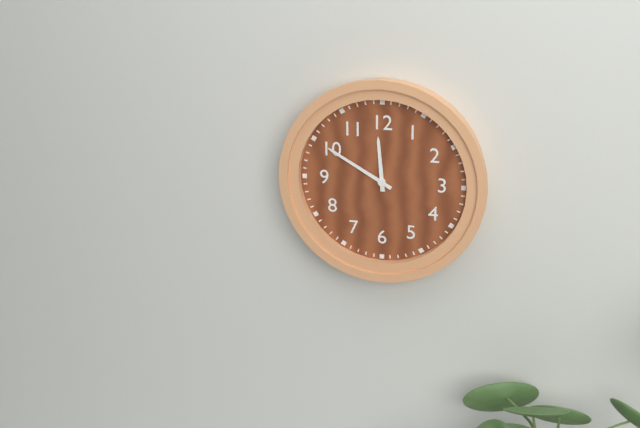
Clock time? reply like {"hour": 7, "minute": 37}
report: {"hour": 11, "minute": 50}
